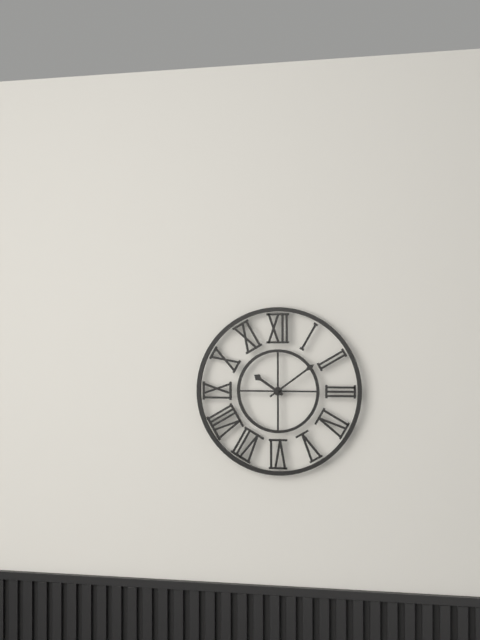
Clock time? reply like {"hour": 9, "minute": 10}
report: {"hour": 10, "minute": 9}
